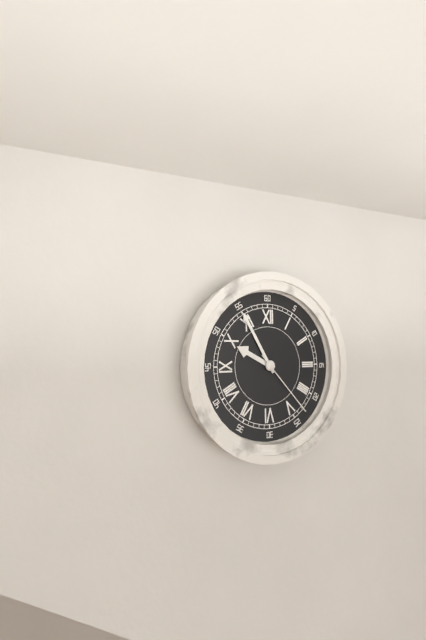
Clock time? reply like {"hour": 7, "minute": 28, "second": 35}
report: {"hour": 9, "minute": 55, "second": 23}
